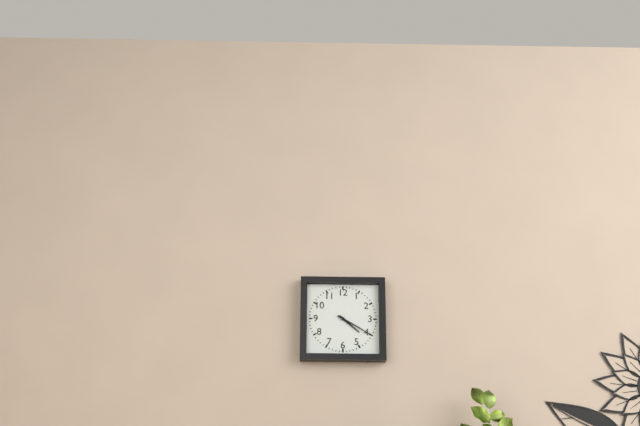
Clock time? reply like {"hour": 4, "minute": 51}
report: {"hour": 4, "minute": 20}
